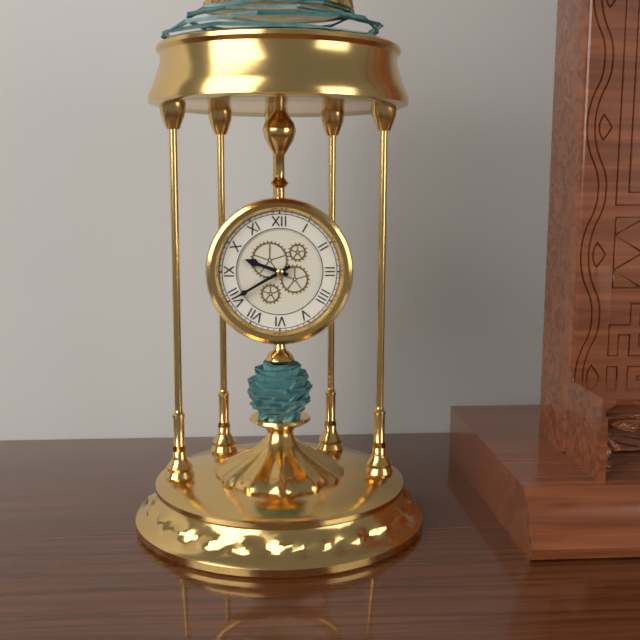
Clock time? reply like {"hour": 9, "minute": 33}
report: {"hour": 9, "minute": 40}
